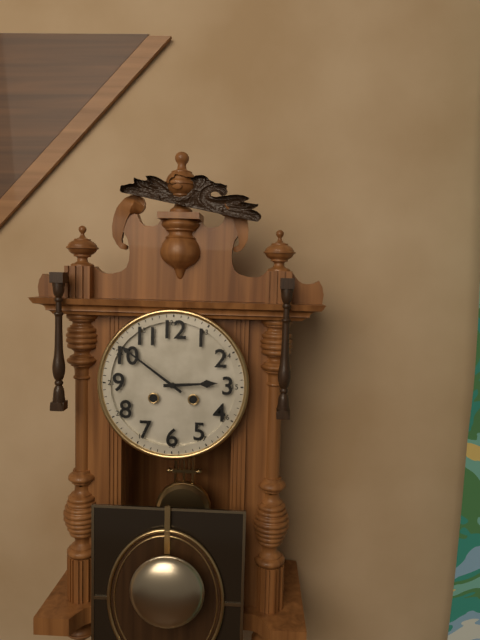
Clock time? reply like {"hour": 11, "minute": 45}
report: {"hour": 2, "minute": 51}
